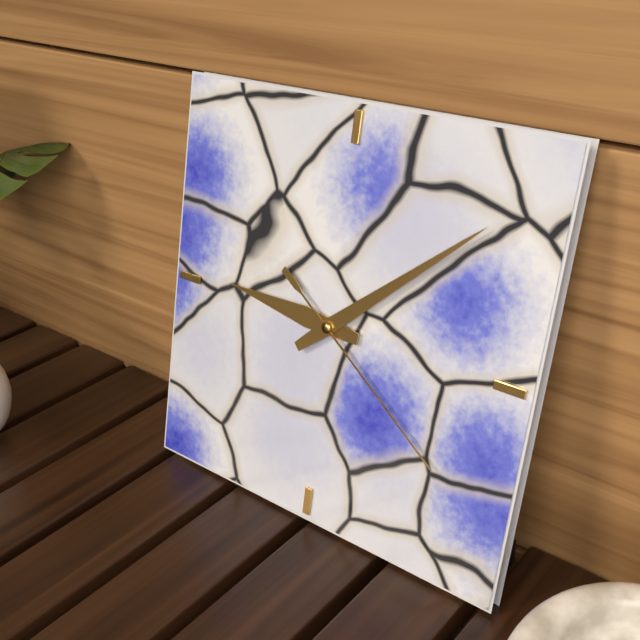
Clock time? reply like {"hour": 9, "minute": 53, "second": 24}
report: {"hour": 9, "minute": 8, "second": 21}
